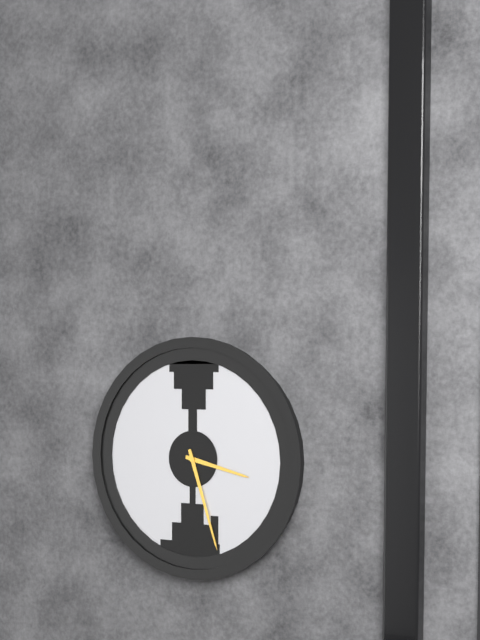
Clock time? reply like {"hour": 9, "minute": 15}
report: {"hour": 3, "minute": 27}
